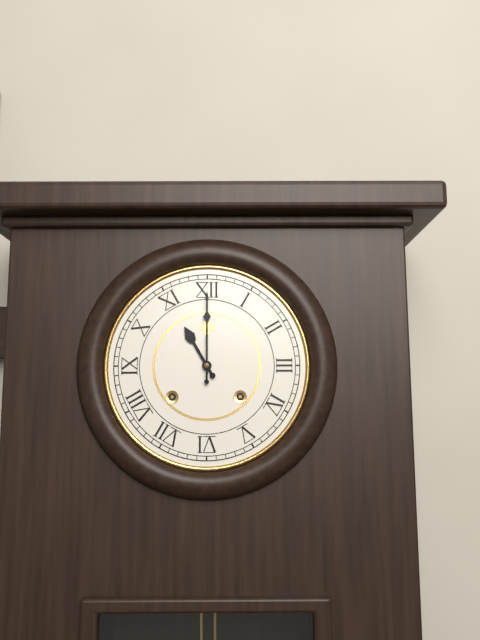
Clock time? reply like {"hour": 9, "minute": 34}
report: {"hour": 11, "minute": 0}
